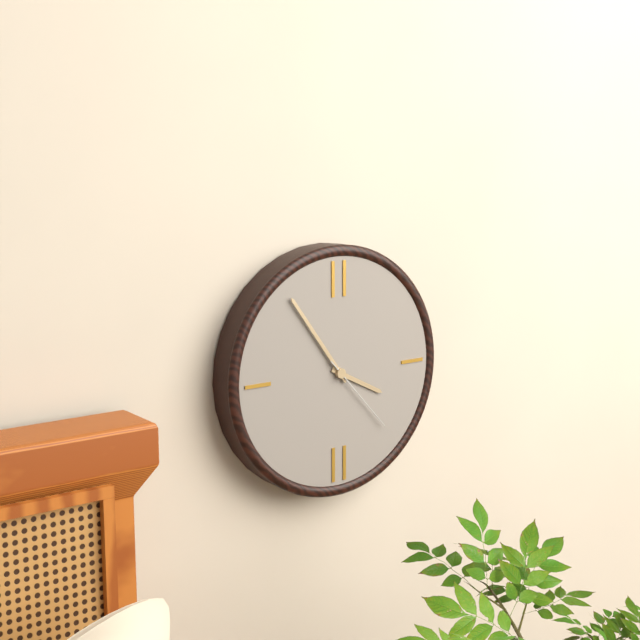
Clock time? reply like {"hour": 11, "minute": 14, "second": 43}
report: {"hour": 3, "minute": 54, "second": 23}
